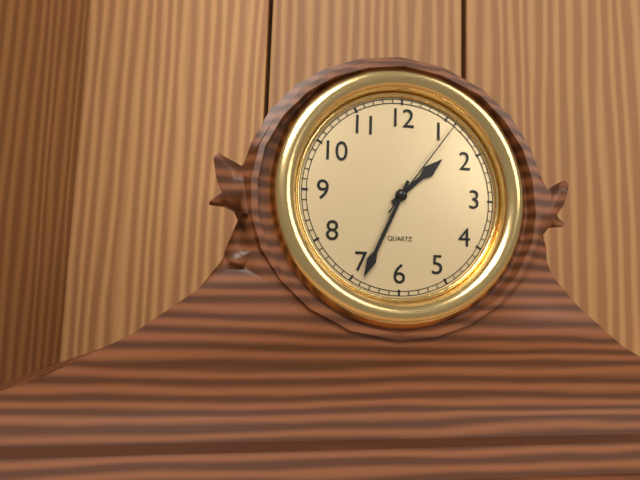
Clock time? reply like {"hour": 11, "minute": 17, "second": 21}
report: {"hour": 1, "minute": 34, "second": 6}
